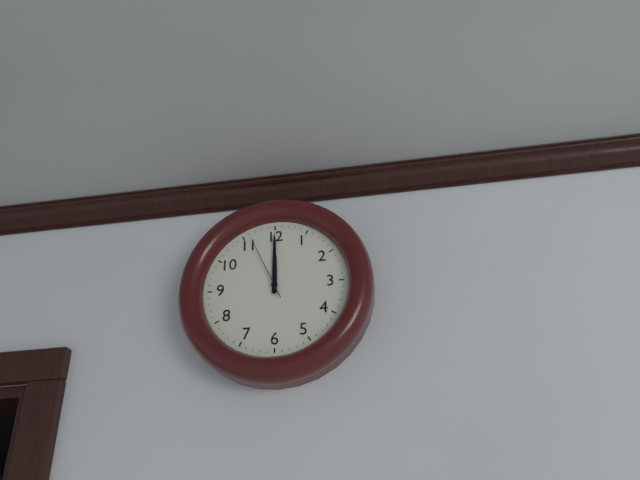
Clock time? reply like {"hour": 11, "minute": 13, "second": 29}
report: {"hour": 12, "minute": 0, "second": 56}
